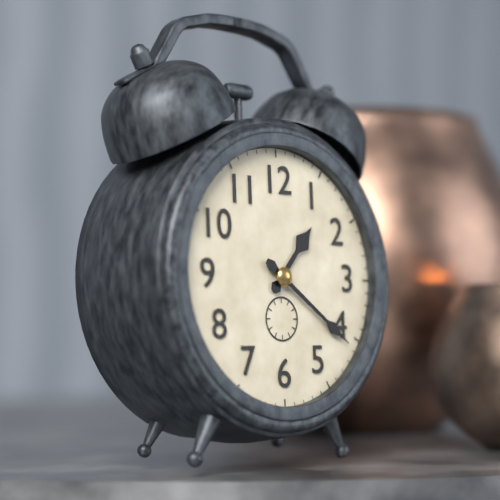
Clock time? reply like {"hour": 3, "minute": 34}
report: {"hour": 1, "minute": 21}
